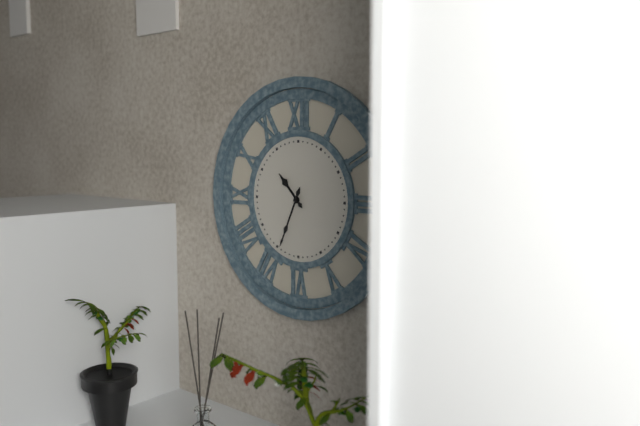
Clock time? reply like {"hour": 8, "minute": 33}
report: {"hour": 10, "minute": 34}
